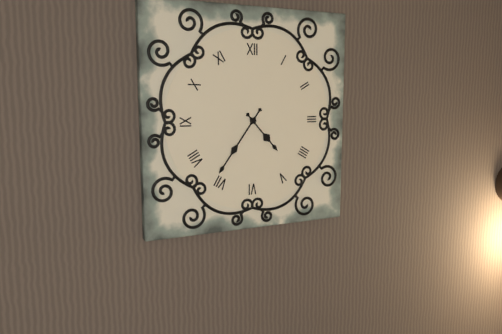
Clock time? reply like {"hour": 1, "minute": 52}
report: {"hour": 4, "minute": 36}
